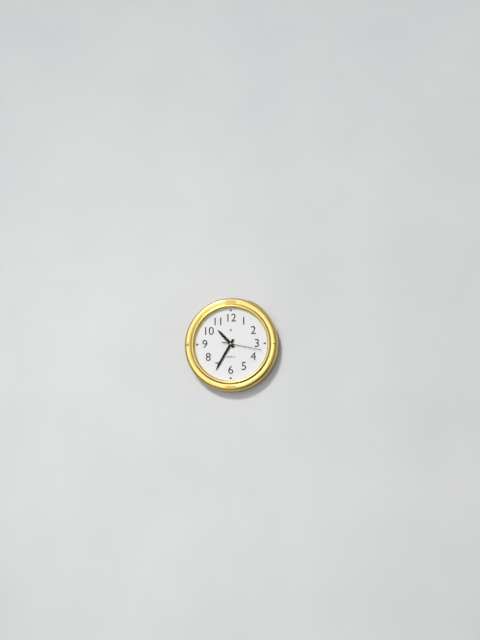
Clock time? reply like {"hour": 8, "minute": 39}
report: {"hour": 10, "minute": 35}
